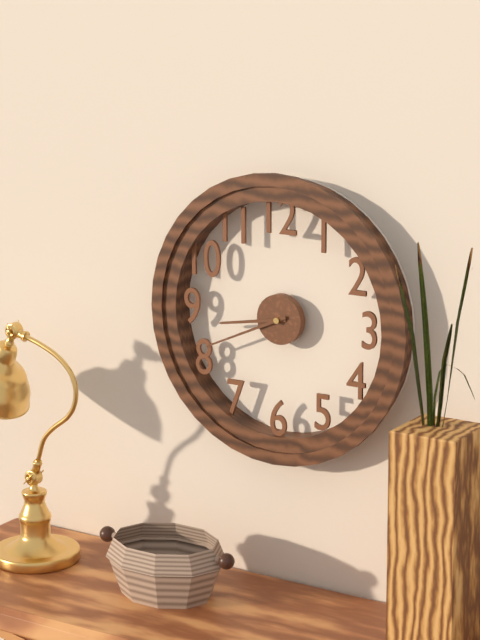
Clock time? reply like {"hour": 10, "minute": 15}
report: {"hour": 8, "minute": 41}
